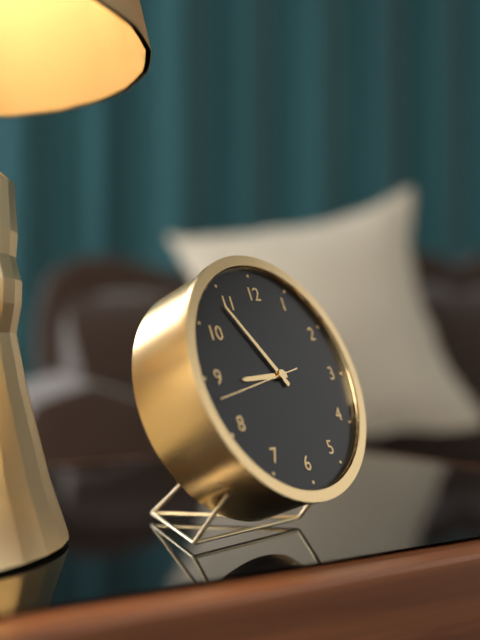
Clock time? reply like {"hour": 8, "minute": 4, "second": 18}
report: {"hour": 8, "minute": 54, "second": 43}
